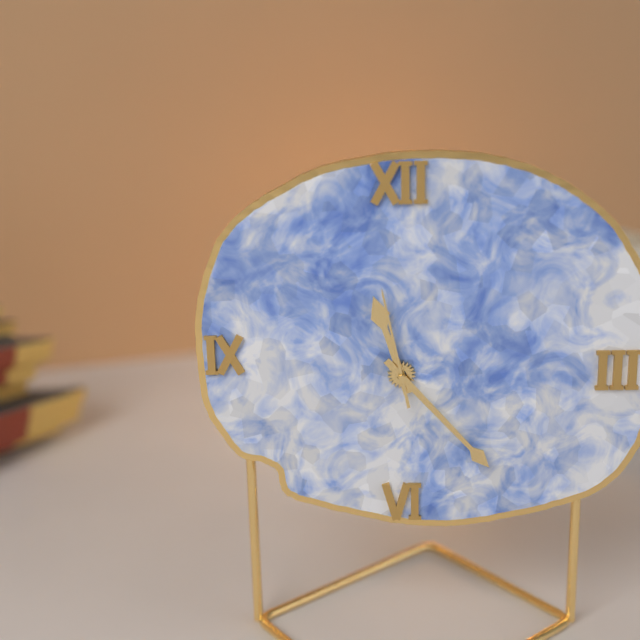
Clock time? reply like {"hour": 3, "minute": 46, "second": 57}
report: {"hour": 11, "minute": 23, "second": 58}
